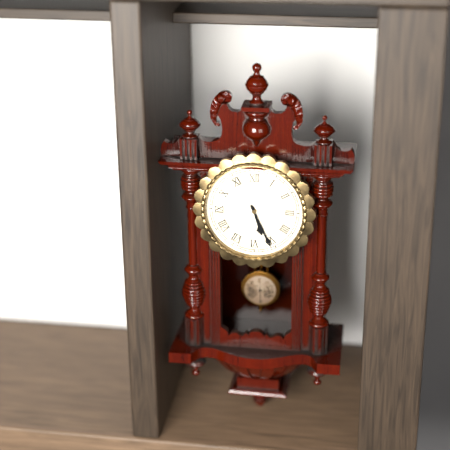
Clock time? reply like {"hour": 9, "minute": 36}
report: {"hour": 5, "minute": 26}
